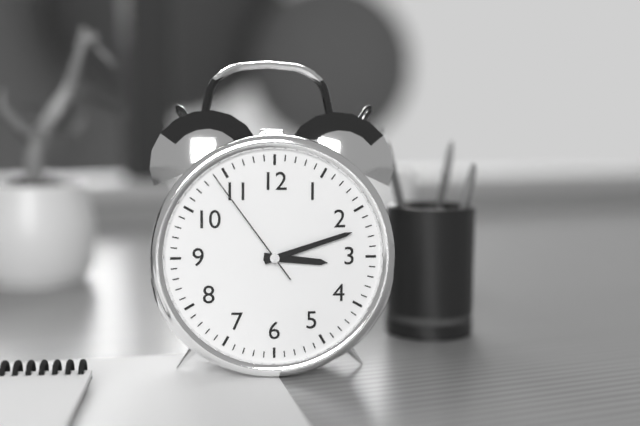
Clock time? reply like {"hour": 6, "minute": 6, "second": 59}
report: {"hour": 3, "minute": 12, "second": 54}
